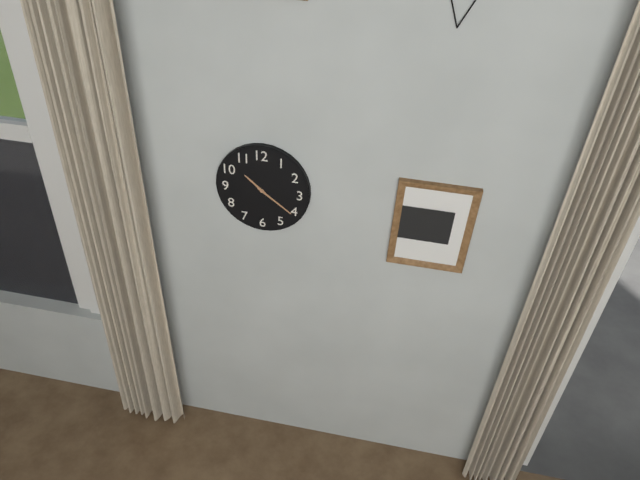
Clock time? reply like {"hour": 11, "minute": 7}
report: {"hour": 10, "minute": 21}
